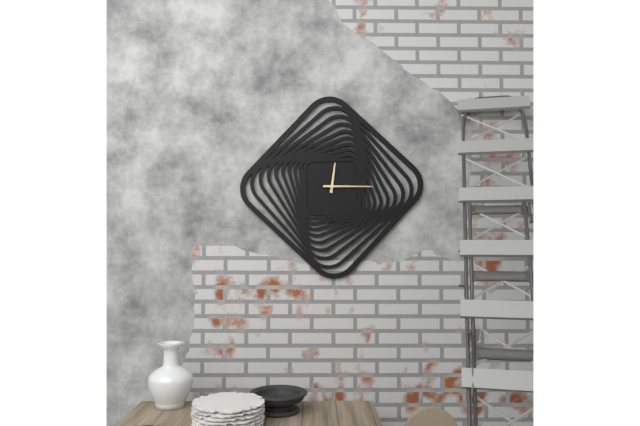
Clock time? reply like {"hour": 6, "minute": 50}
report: {"hour": 12, "minute": 15}
